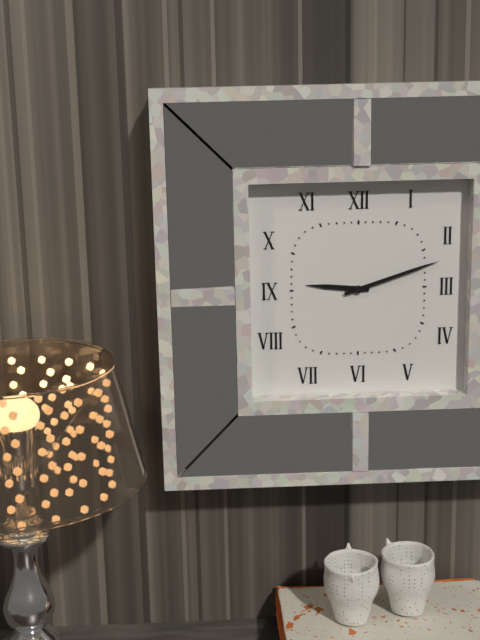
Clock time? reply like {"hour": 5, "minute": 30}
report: {"hour": 9, "minute": 12}
